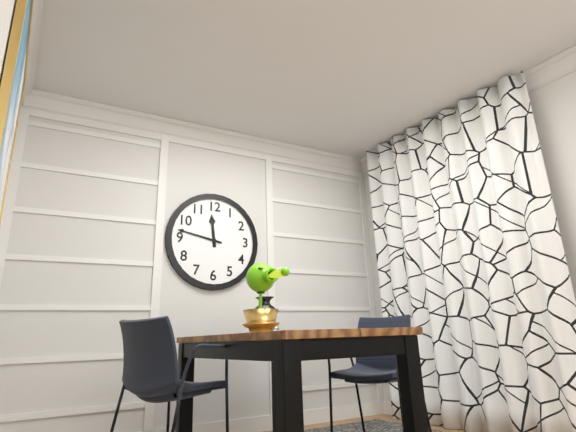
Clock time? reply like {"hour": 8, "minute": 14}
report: {"hour": 11, "minute": 47}
